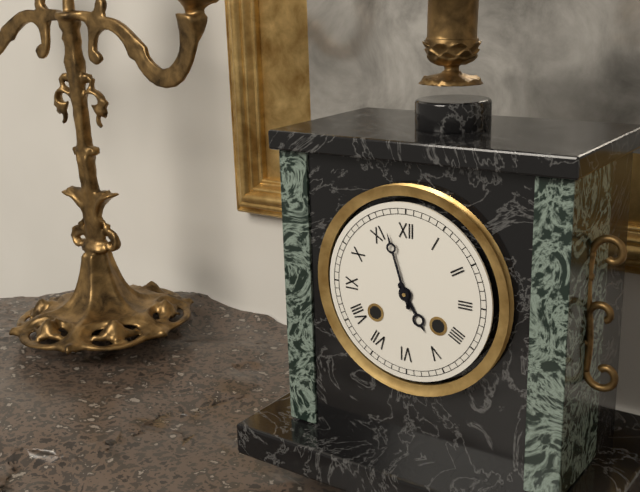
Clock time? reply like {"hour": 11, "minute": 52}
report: {"hour": 4, "minute": 57}
